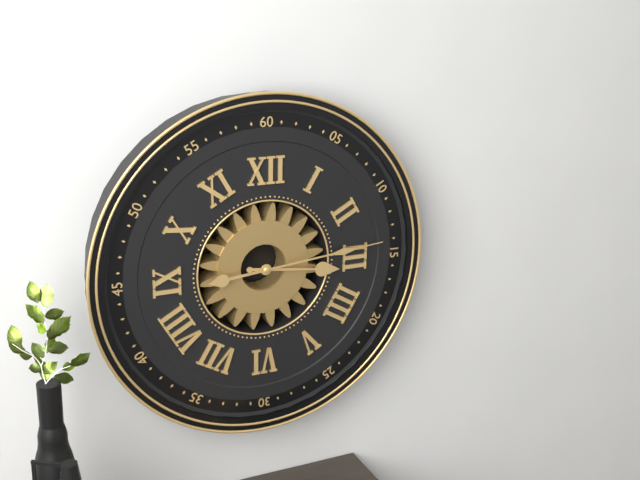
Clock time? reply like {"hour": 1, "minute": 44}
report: {"hour": 3, "minute": 14}
